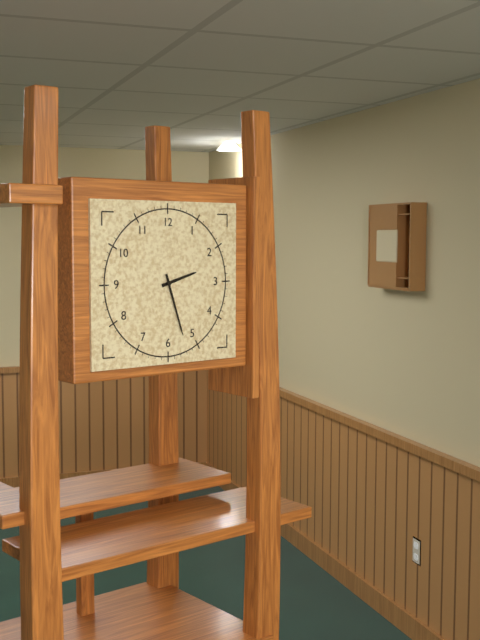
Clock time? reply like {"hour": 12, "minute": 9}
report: {"hour": 2, "minute": 27}
